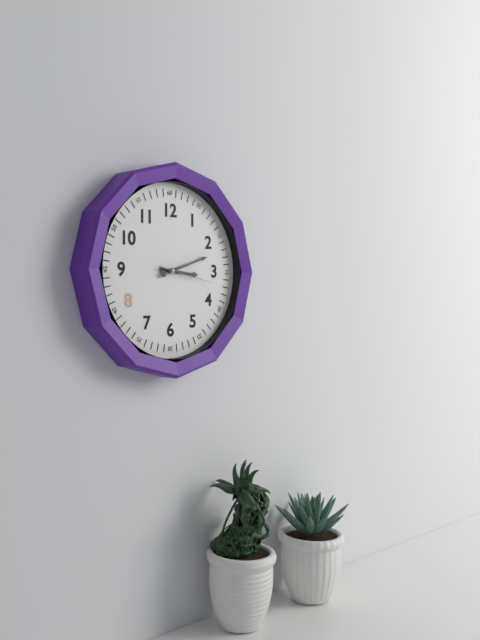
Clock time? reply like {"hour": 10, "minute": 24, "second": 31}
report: {"hour": 3, "minute": 12, "second": 17}
